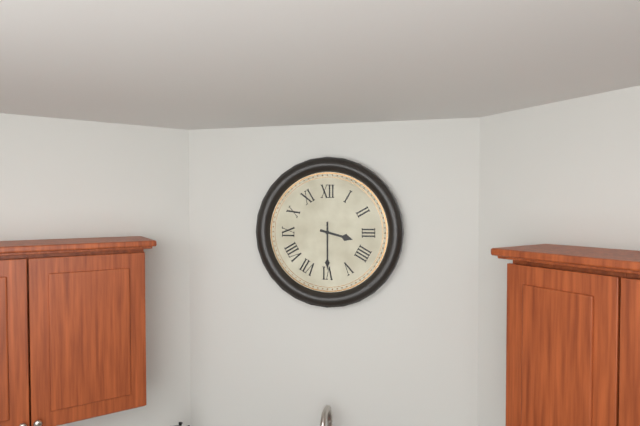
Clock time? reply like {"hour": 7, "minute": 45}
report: {"hour": 3, "minute": 30}
